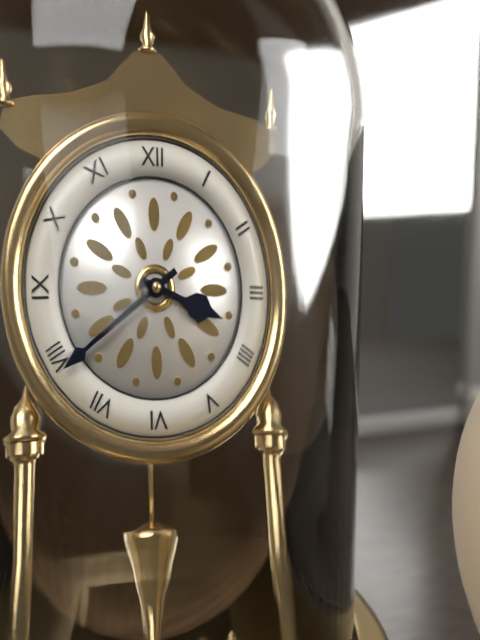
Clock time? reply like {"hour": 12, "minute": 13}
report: {"hour": 3, "minute": 39}
